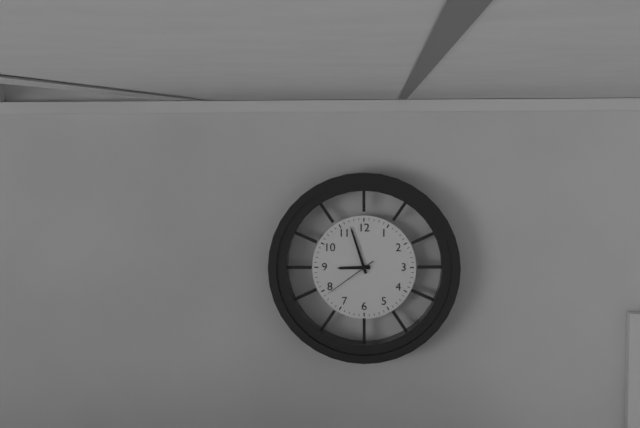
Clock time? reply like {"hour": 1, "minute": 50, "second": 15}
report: {"hour": 8, "minute": 57, "second": 39}
